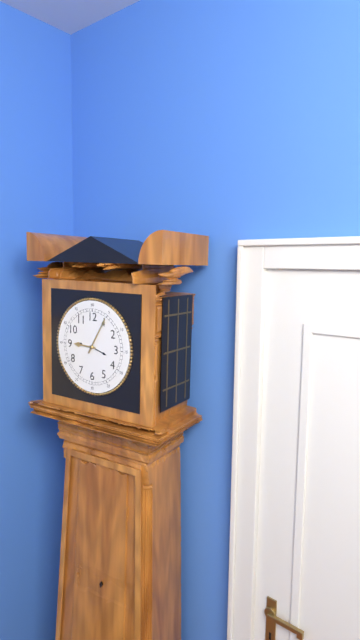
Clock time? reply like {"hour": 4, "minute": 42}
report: {"hour": 9, "minute": 5}
